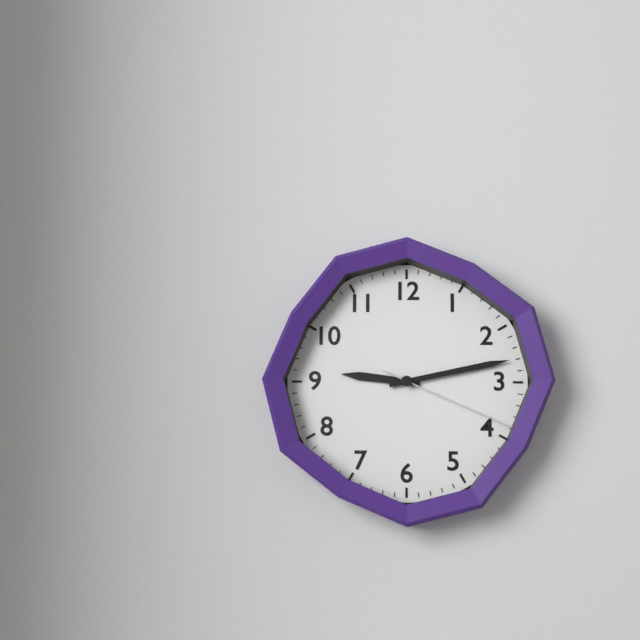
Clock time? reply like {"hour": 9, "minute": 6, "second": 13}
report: {"hour": 9, "minute": 13, "second": 19}
